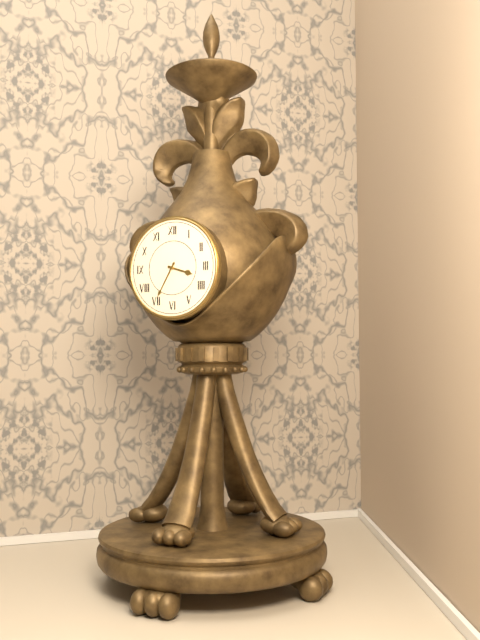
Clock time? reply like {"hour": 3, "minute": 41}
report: {"hour": 3, "minute": 35}
